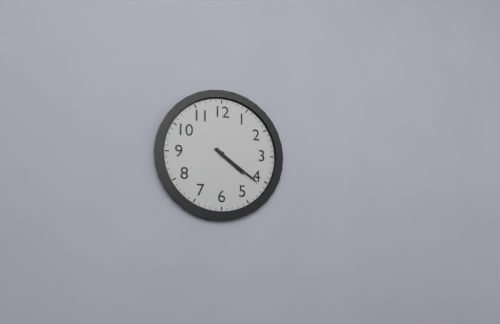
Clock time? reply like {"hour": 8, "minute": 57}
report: {"hour": 4, "minute": 21}
